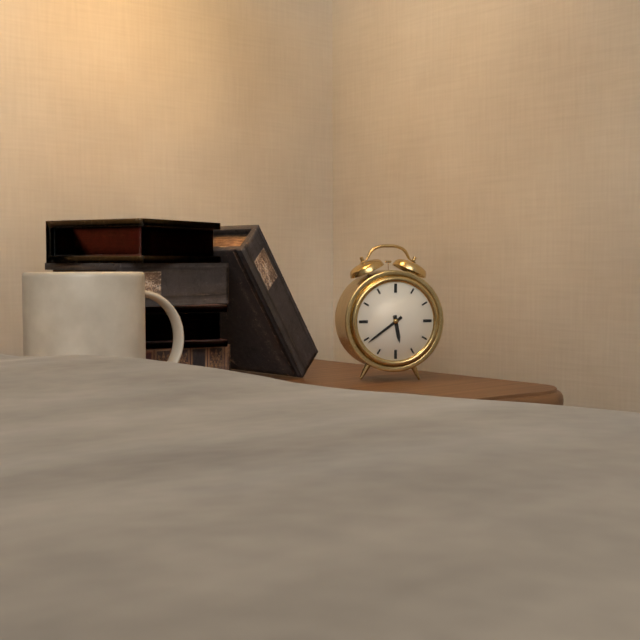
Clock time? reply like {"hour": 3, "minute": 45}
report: {"hour": 5, "minute": 39}
